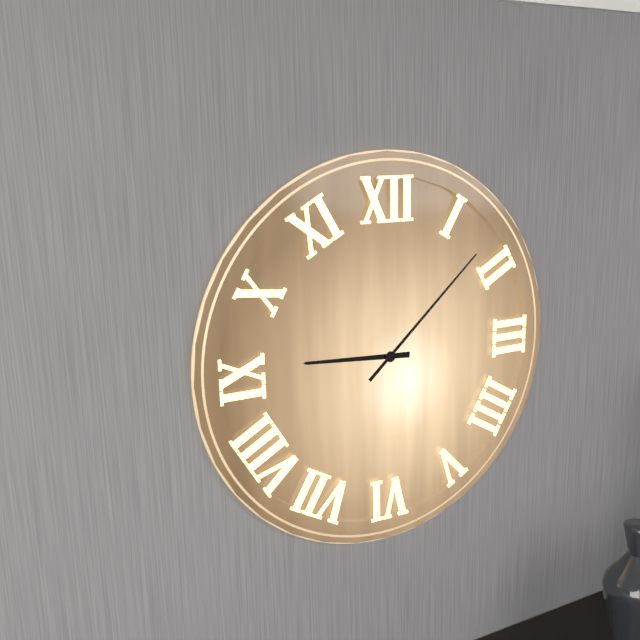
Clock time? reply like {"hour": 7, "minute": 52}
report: {"hour": 9, "minute": 8}
